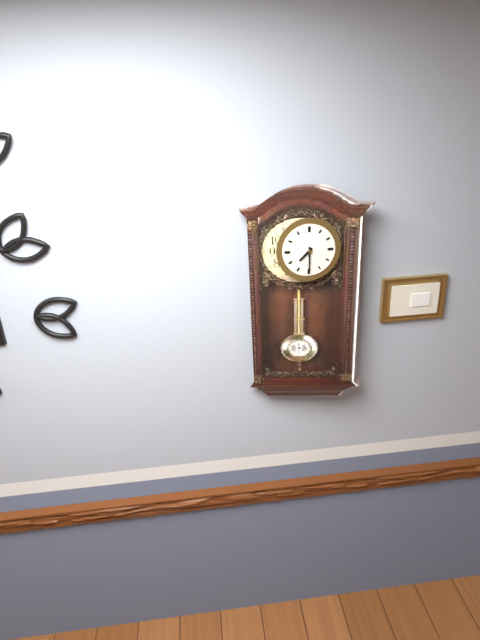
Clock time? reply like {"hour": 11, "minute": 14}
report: {"hour": 7, "minute": 30}
